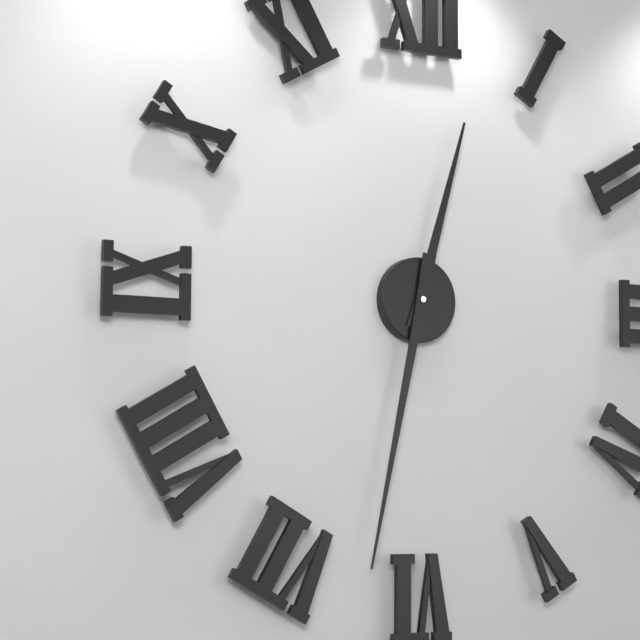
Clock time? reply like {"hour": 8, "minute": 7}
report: {"hour": 12, "minute": 32}
